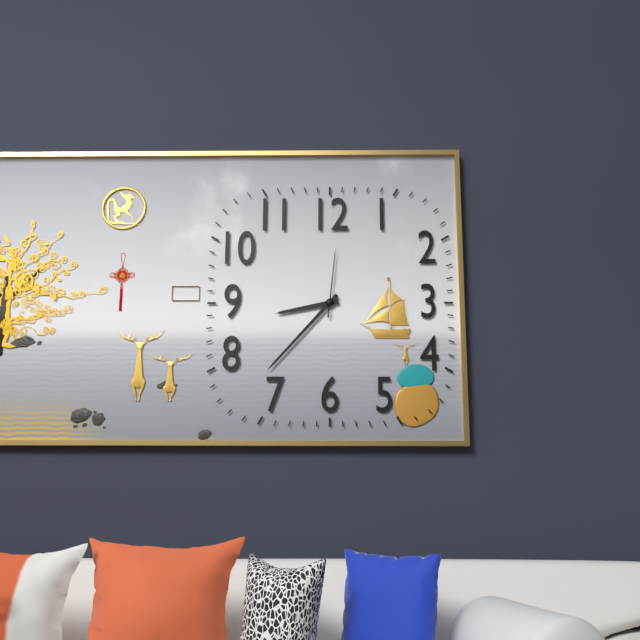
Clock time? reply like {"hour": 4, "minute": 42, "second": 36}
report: {"hour": 8, "minute": 37, "second": 1}
